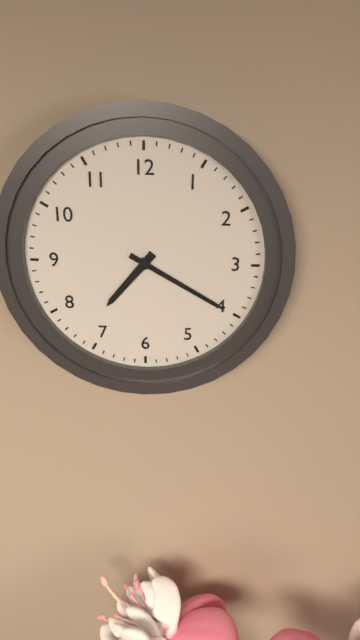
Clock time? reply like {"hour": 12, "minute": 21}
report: {"hour": 7, "minute": 20}
